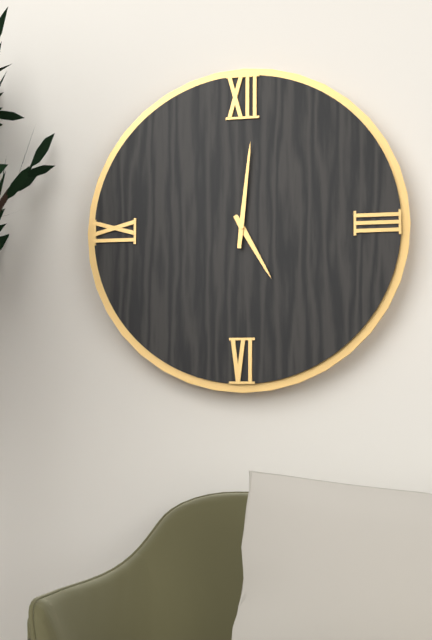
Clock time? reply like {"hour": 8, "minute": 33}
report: {"hour": 5, "minute": 1}
